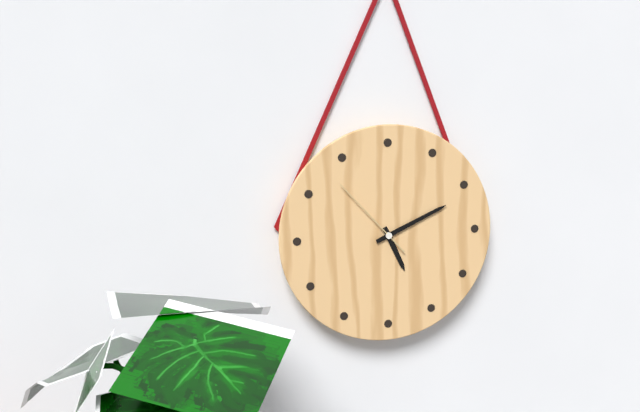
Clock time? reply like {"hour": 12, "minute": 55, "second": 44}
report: {"hour": 5, "minute": 11, "second": 53}
